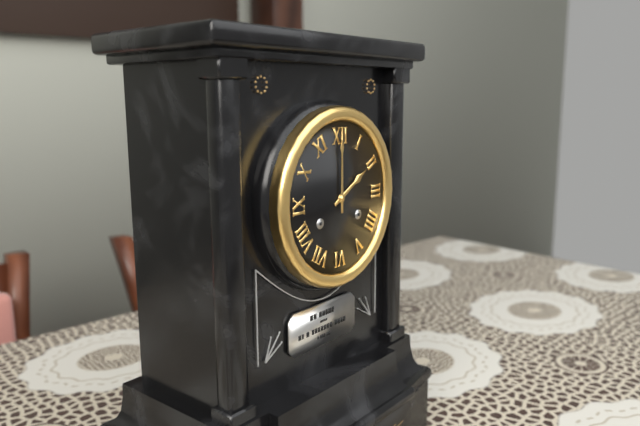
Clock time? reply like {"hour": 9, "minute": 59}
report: {"hour": 2, "minute": 0}
